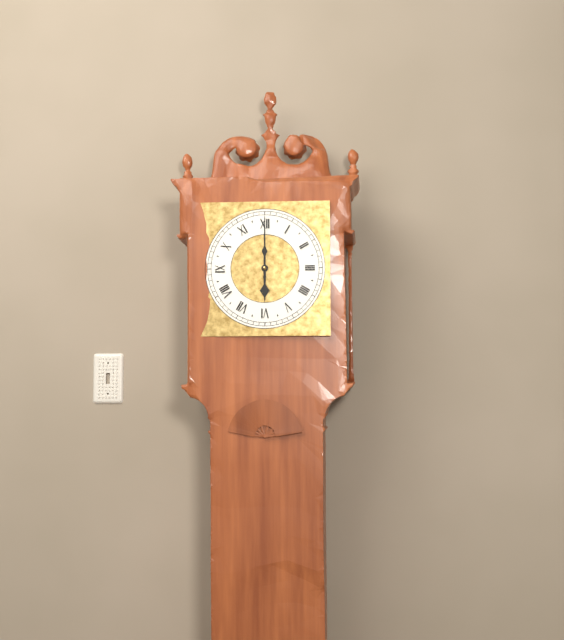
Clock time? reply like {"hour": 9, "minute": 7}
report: {"hour": 6, "minute": 0}
